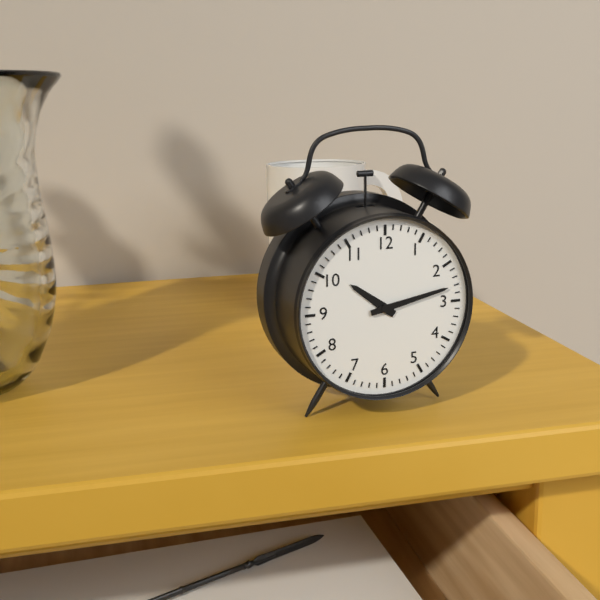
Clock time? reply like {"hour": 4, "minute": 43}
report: {"hour": 10, "minute": 13}
